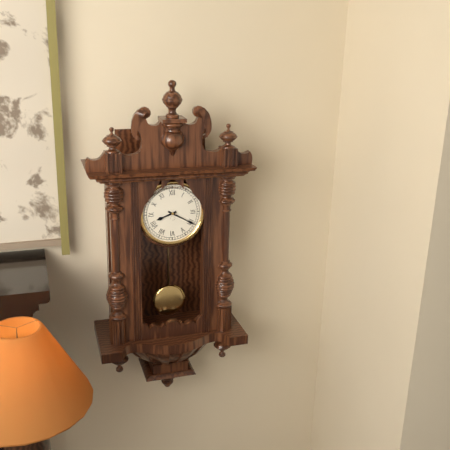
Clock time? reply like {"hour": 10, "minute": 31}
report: {"hour": 8, "minute": 20}
